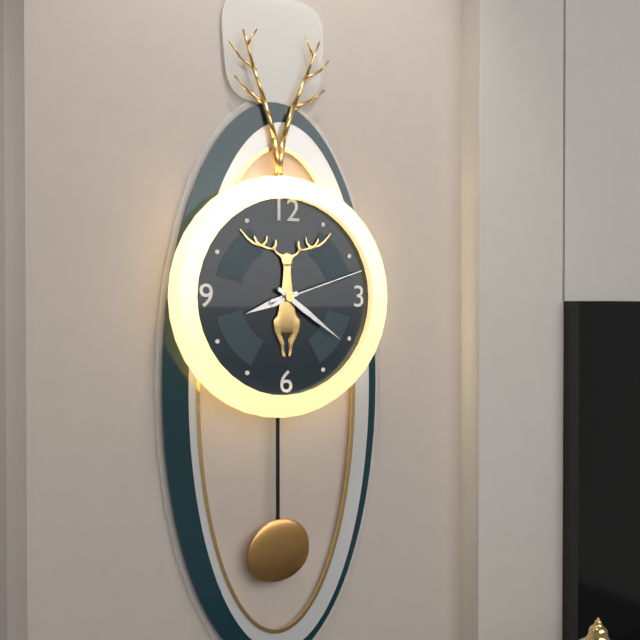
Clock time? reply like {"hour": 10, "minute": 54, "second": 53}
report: {"hour": 8, "minute": 21, "second": 12}
